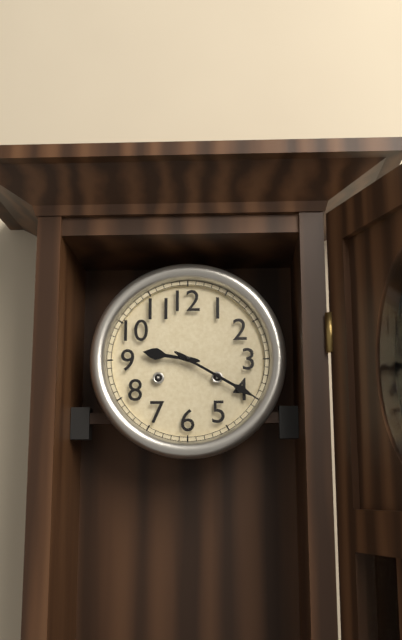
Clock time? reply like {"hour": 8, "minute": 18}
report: {"hour": 9, "minute": 20}
